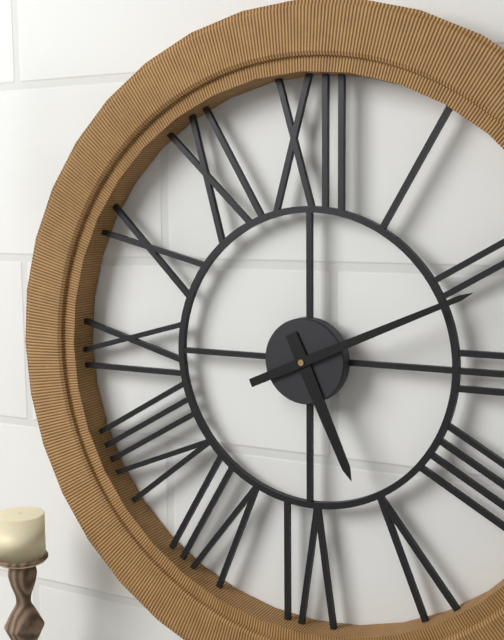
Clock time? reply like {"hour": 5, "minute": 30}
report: {"hour": 5, "minute": 11}
